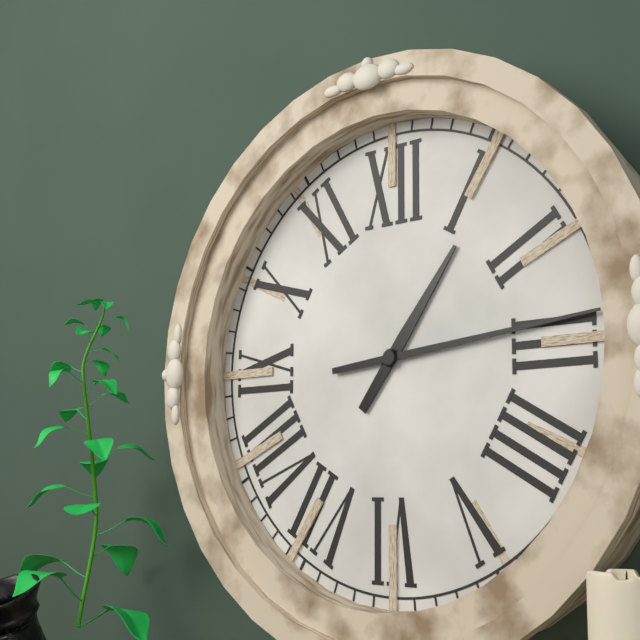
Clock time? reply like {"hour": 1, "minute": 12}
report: {"hour": 1, "minute": 14}
